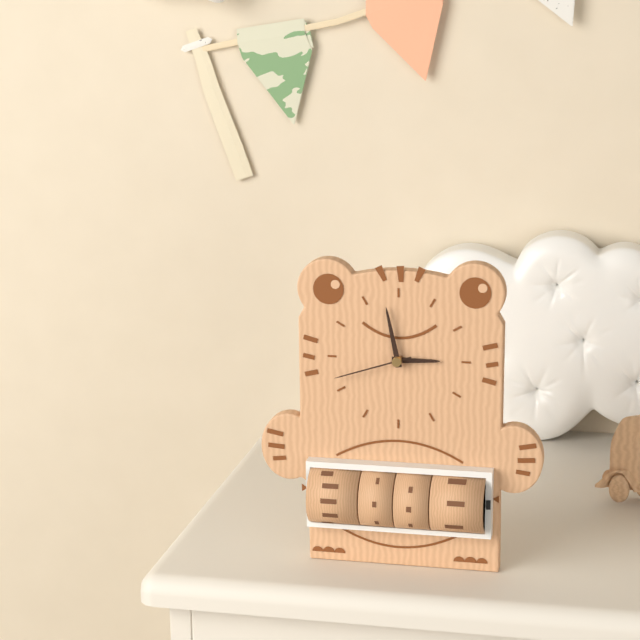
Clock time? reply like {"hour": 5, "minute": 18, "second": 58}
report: {"hour": 2, "minute": 58, "second": 42}
